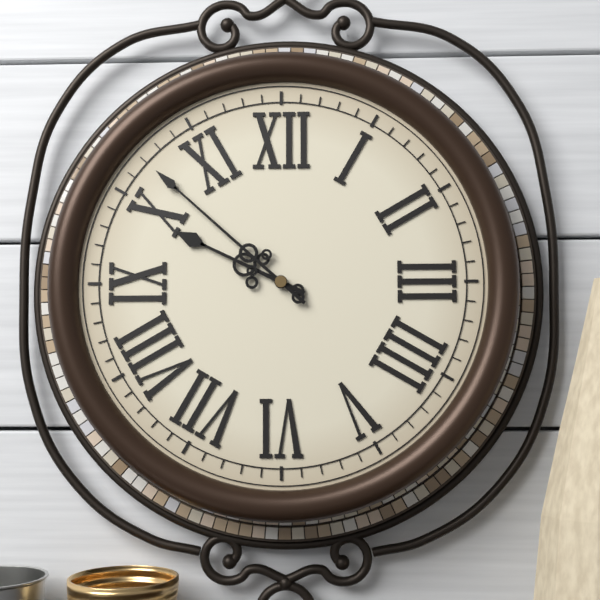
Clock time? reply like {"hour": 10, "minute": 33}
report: {"hour": 9, "minute": 52}
